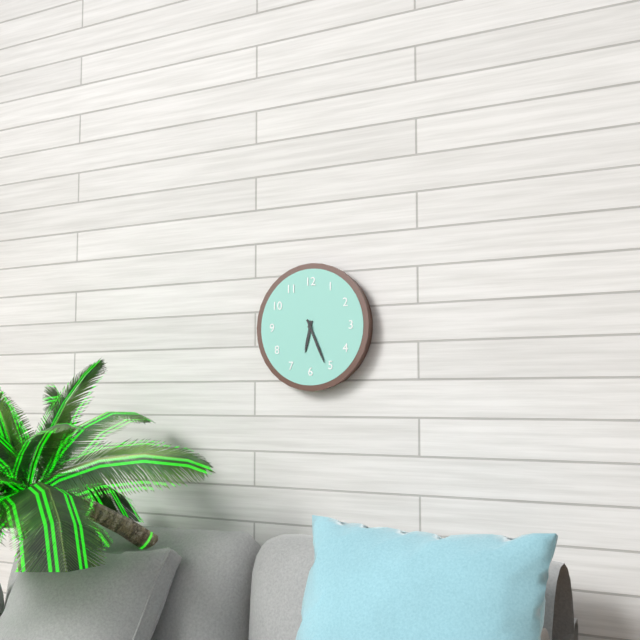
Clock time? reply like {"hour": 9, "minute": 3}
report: {"hour": 6, "minute": 26}
